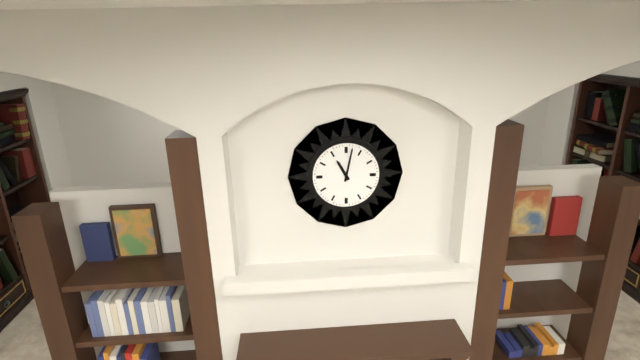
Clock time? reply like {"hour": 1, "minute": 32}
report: {"hour": 11, "minute": 2}
